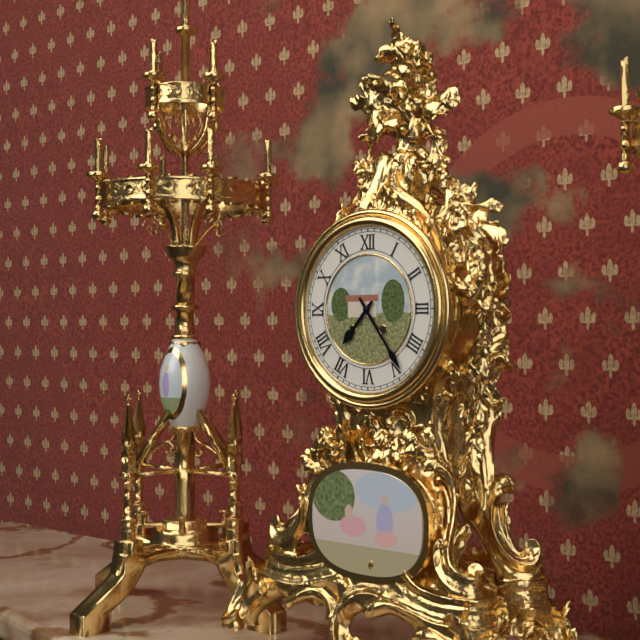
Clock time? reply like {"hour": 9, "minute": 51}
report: {"hour": 7, "minute": 24}
